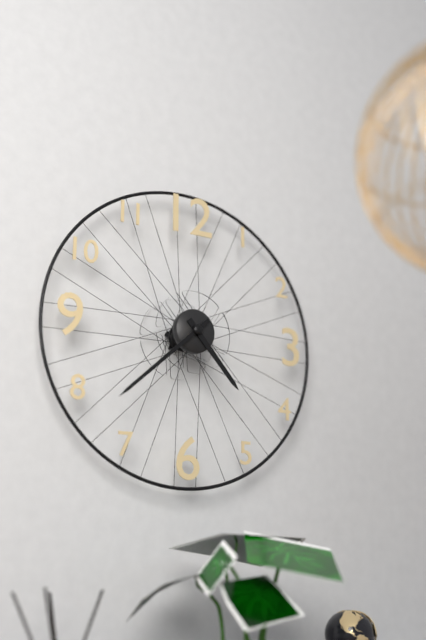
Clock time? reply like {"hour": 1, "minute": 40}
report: {"hour": 4, "minute": 38}
